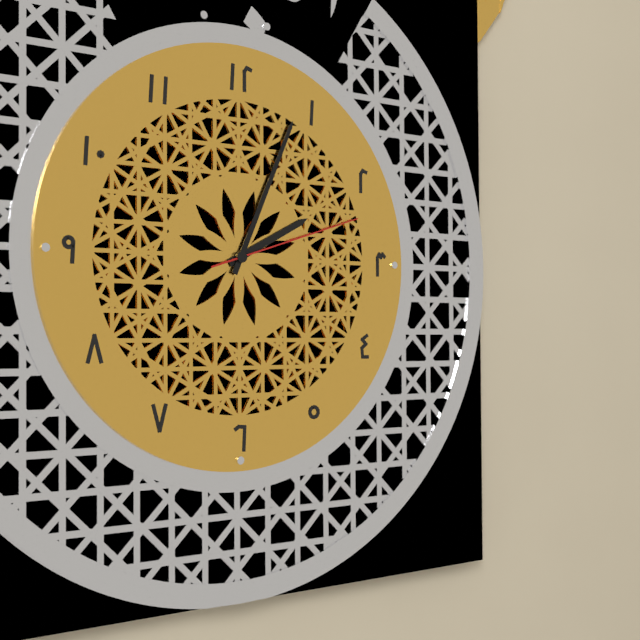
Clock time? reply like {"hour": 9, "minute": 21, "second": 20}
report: {"hour": 2, "minute": 4, "second": 12}
